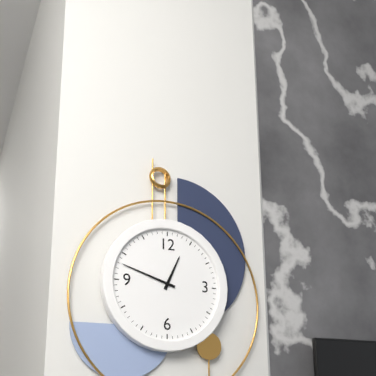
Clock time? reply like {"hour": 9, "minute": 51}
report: {"hour": 12, "minute": 48}
